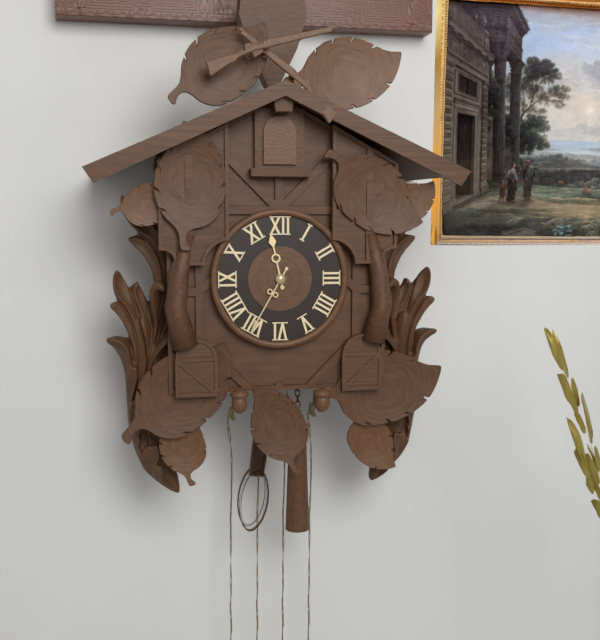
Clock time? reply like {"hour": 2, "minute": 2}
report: {"hour": 11, "minute": 35}
